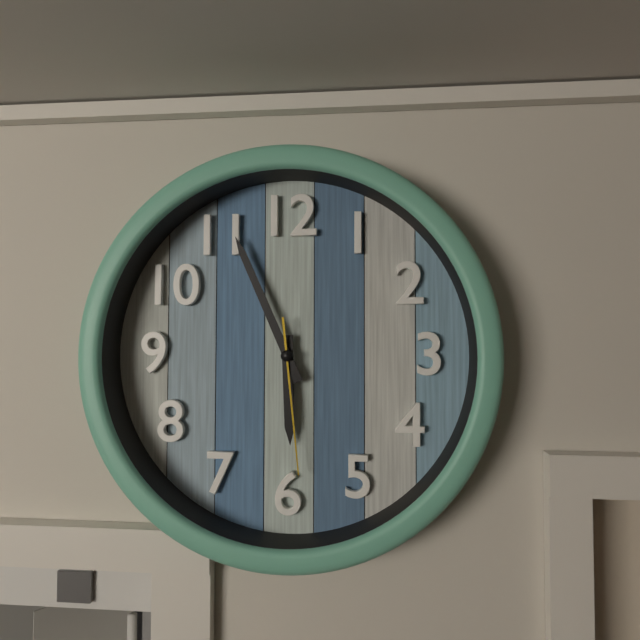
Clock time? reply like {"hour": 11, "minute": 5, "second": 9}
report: {"hour": 5, "minute": 56, "second": 29}
